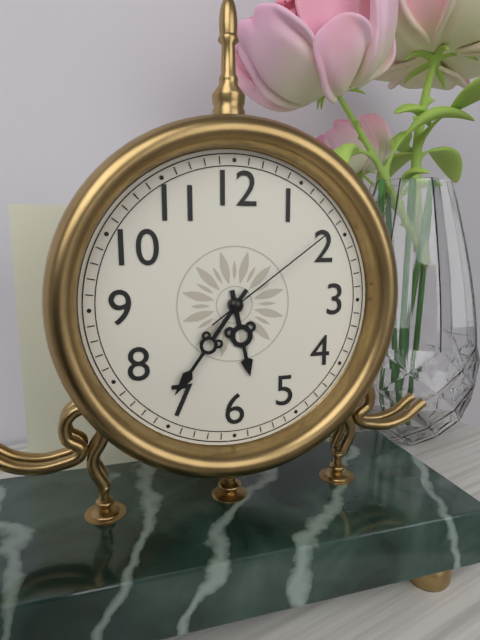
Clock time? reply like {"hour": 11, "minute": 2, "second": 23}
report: {"hour": 5, "minute": 36, "second": 9}
